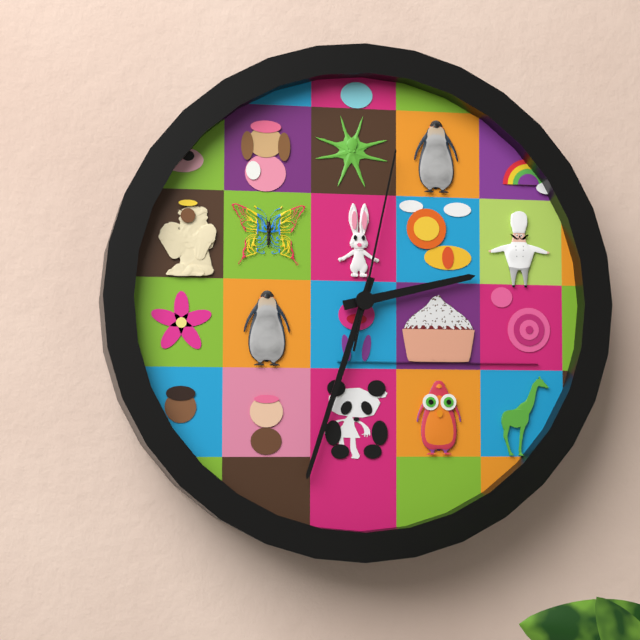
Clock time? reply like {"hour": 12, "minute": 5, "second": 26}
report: {"hour": 2, "minute": 33, "second": 2}
